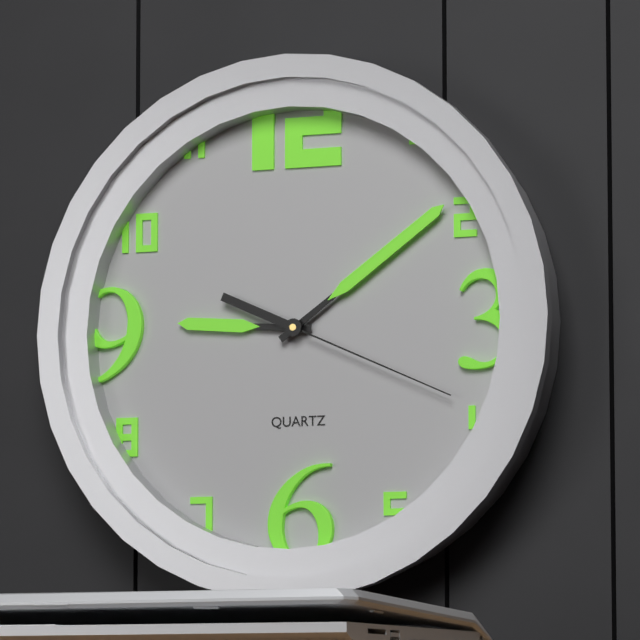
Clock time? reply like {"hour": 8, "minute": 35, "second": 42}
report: {"hour": 9, "minute": 9, "second": 19}
